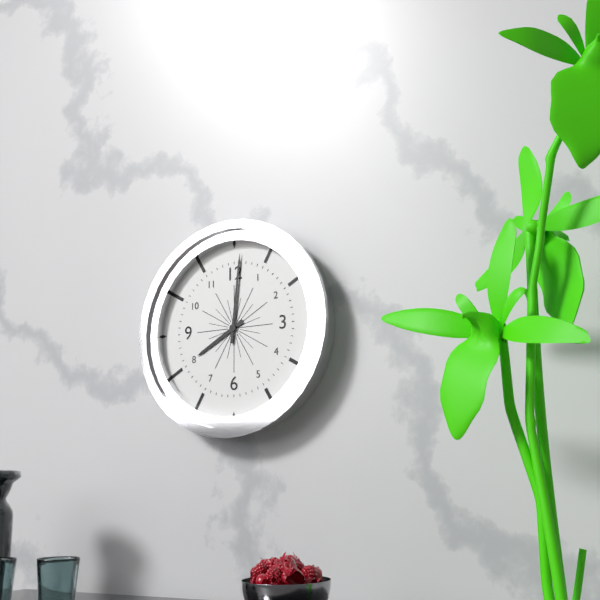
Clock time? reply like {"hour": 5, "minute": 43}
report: {"hour": 8, "minute": 1}
